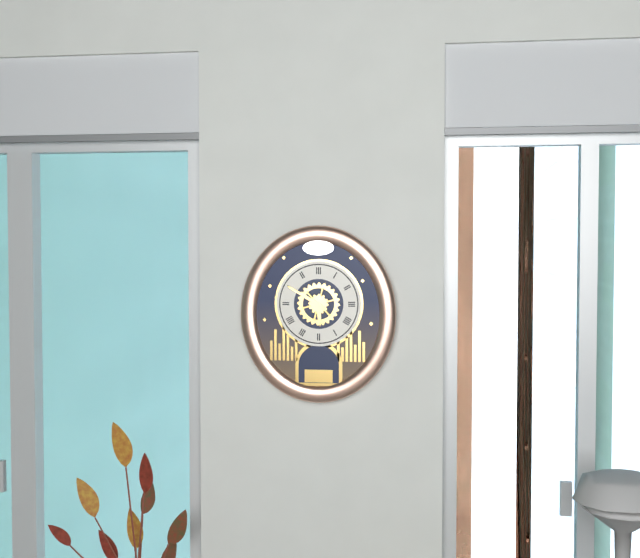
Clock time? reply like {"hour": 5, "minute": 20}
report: {"hour": 5, "minute": 50}
